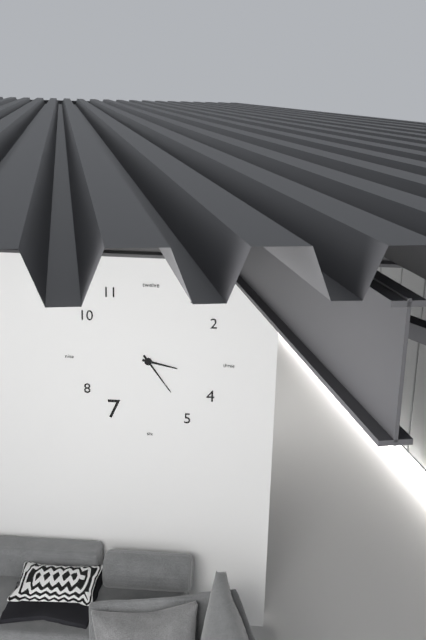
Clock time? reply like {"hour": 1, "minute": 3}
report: {"hour": 3, "minute": 24}
